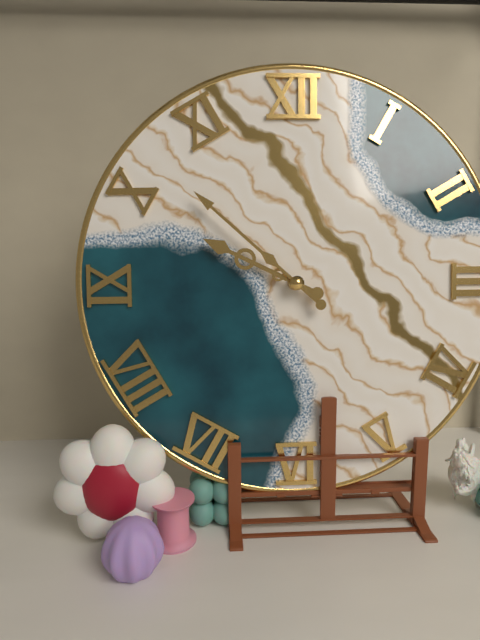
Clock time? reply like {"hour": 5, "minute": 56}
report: {"hour": 9, "minute": 52}
